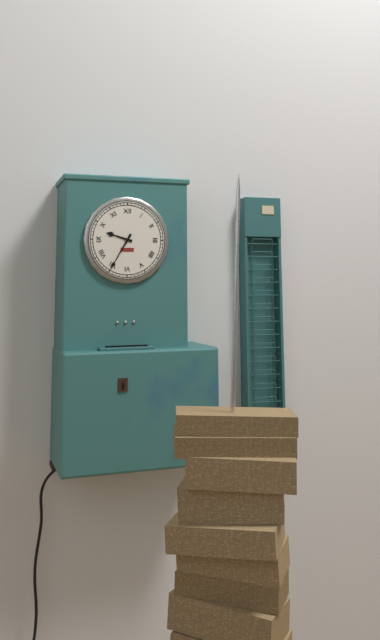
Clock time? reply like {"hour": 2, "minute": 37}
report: {"hour": 9, "minute": 35}
